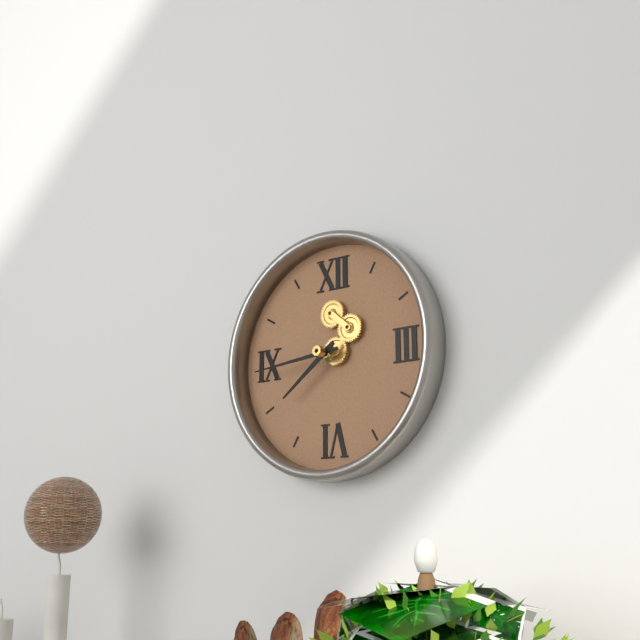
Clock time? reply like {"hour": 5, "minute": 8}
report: {"hour": 7, "minute": 44}
